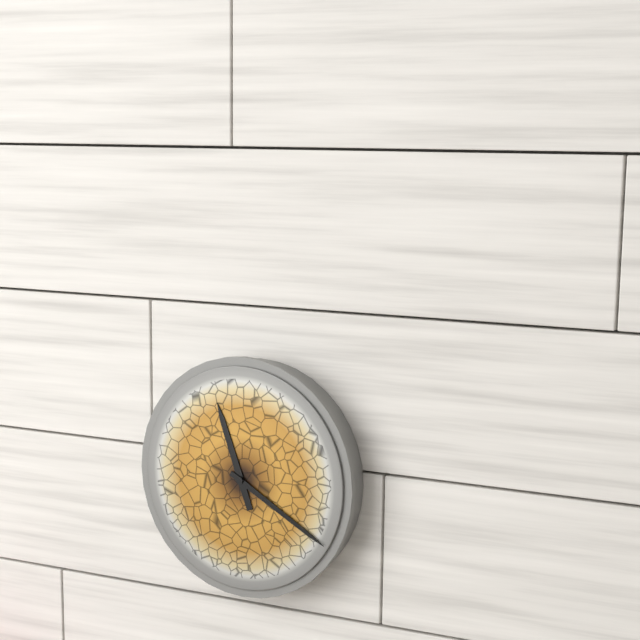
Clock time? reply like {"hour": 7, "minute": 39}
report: {"hour": 11, "minute": 20}
